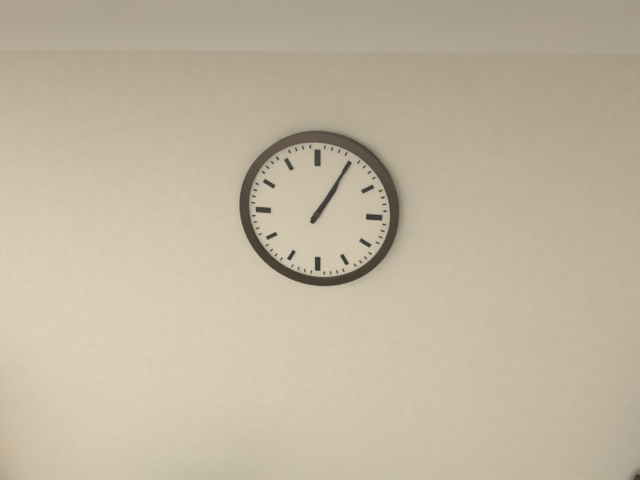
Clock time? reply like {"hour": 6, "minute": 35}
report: {"hour": 1, "minute": 5}
